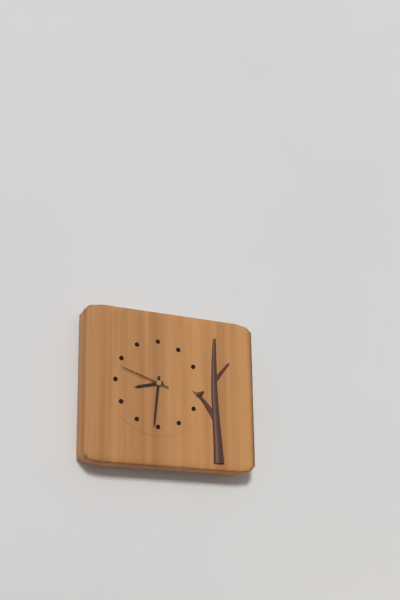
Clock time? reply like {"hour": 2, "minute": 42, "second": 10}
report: {"hour": 8, "minute": 31, "second": 48}
